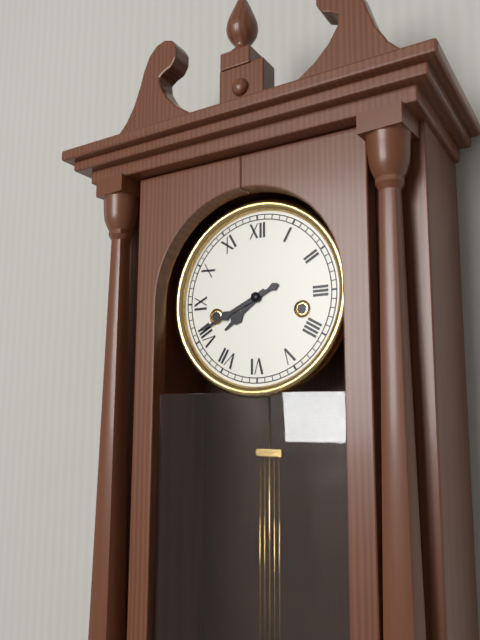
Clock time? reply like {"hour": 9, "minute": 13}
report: {"hour": 7, "minute": 41}
